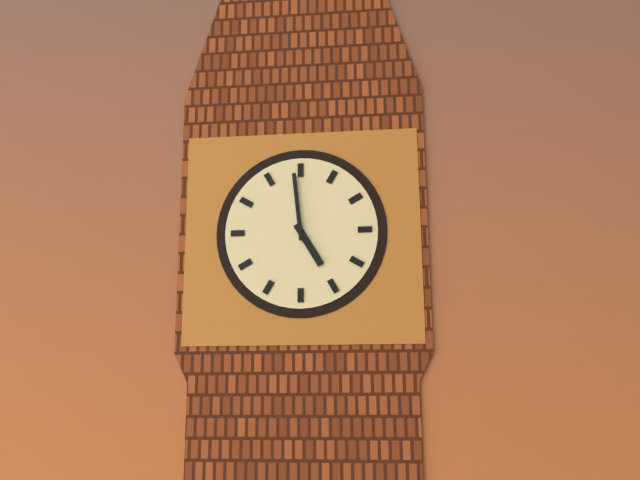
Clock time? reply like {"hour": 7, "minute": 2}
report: {"hour": 4, "minute": 59}
